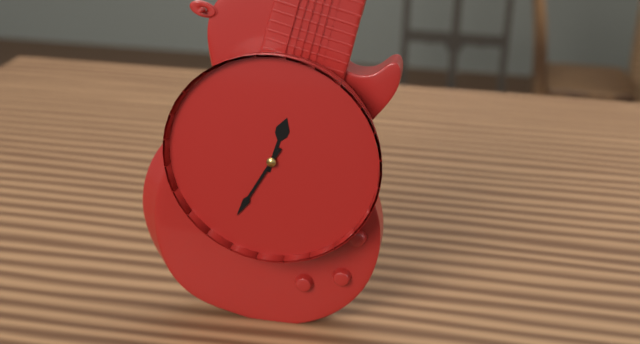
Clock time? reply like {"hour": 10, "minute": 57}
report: {"hour": 12, "minute": 35}
